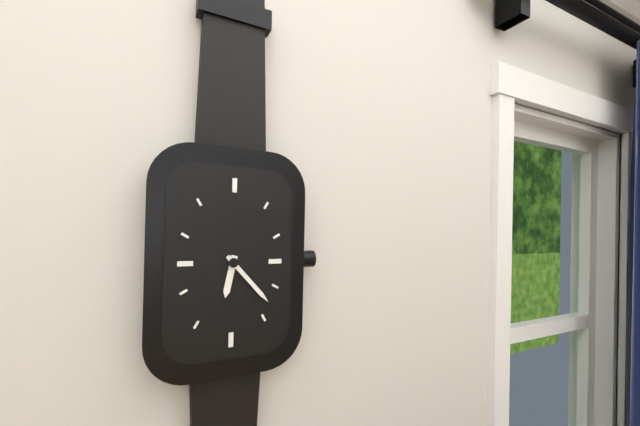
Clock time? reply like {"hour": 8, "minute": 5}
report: {"hour": 6, "minute": 23}
